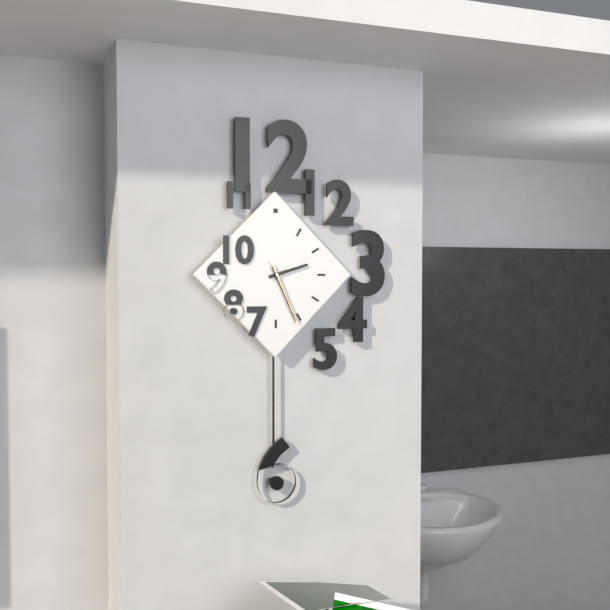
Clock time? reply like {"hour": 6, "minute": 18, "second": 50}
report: {"hour": 2, "minute": 26, "second": 26}
